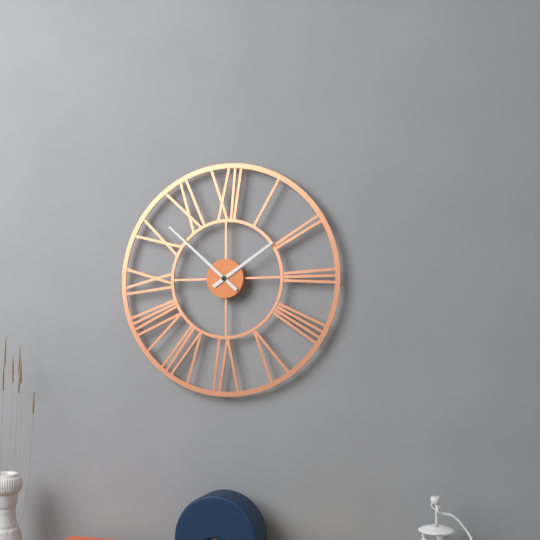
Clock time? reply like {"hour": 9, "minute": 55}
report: {"hour": 1, "minute": 52}
